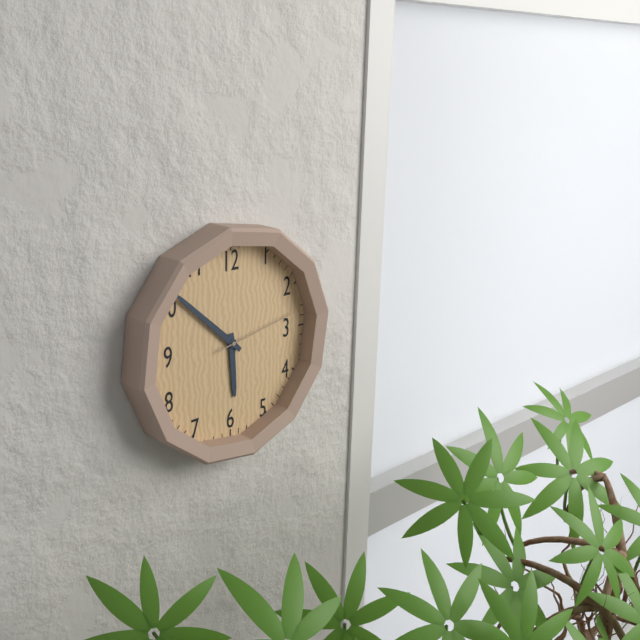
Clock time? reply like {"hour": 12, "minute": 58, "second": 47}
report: {"hour": 5, "minute": 52, "second": 13}
